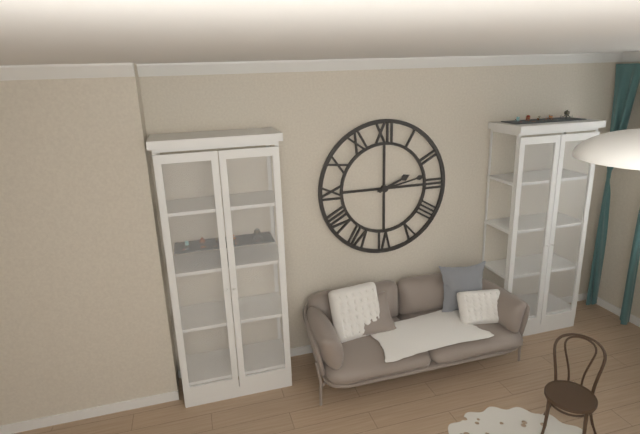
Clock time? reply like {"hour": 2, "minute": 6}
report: {"hour": 2, "minute": 13}
